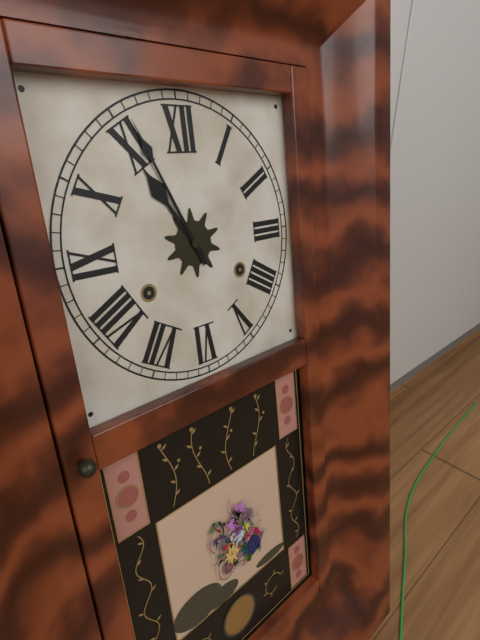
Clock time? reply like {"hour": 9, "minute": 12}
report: {"hour": 10, "minute": 56}
